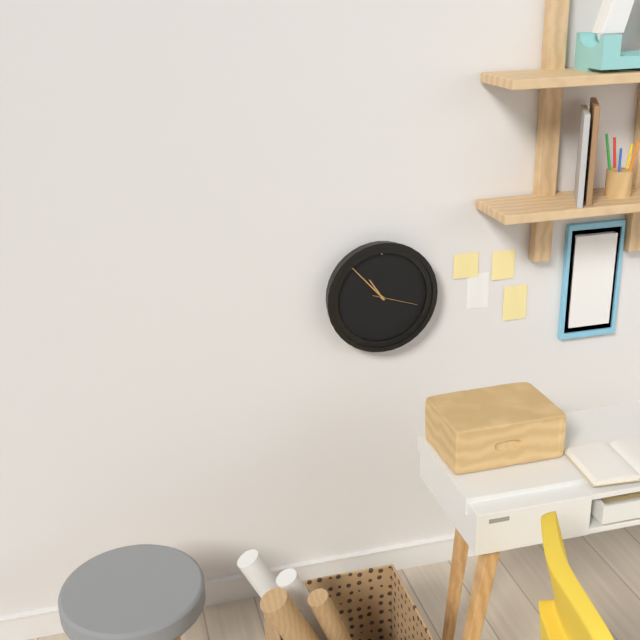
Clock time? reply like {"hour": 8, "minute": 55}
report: {"hour": 10, "minute": 53}
